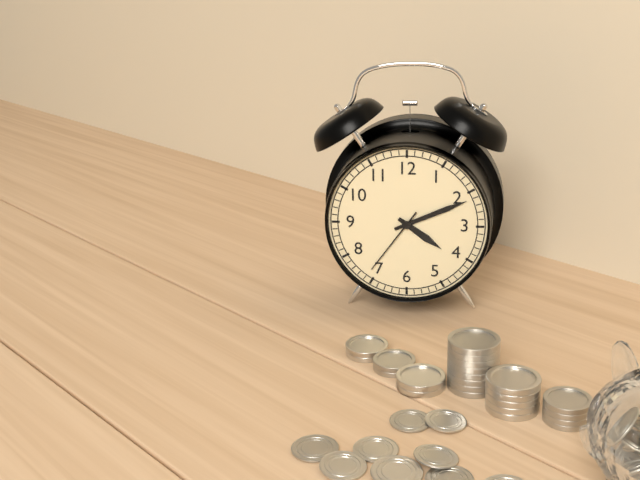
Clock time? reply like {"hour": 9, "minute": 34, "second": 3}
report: {"hour": 4, "minute": 11, "second": 36}
